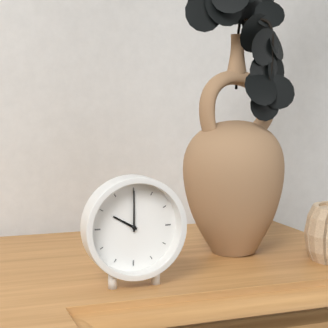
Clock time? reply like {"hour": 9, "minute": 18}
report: {"hour": 10, "minute": 0}
